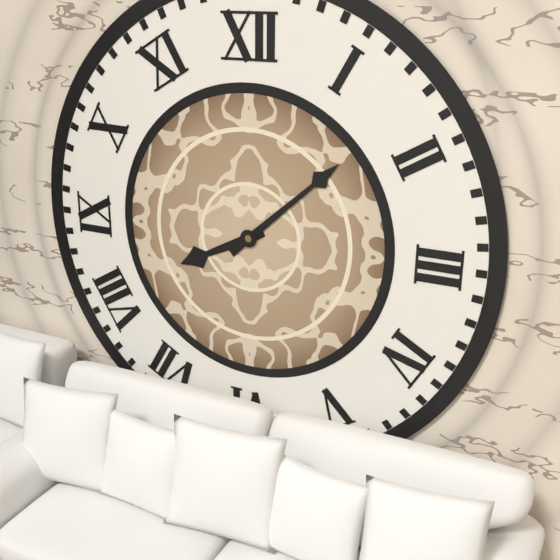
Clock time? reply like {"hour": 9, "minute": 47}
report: {"hour": 8, "minute": 8}
